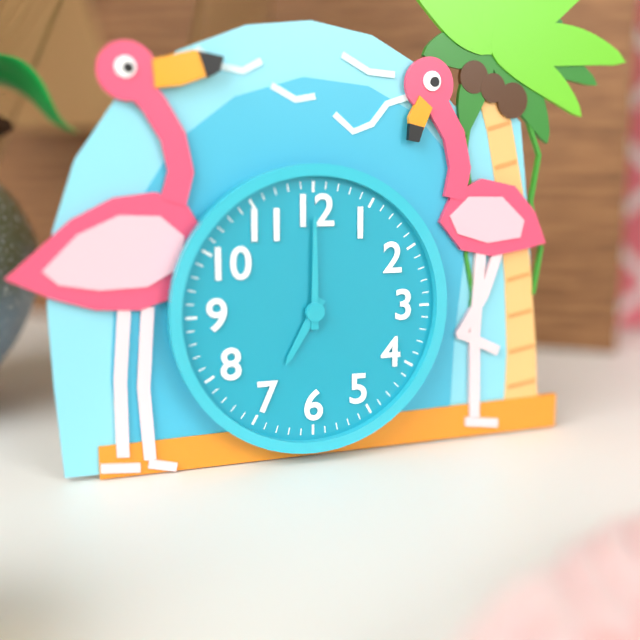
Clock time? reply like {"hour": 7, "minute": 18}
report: {"hour": 7, "minute": 0}
